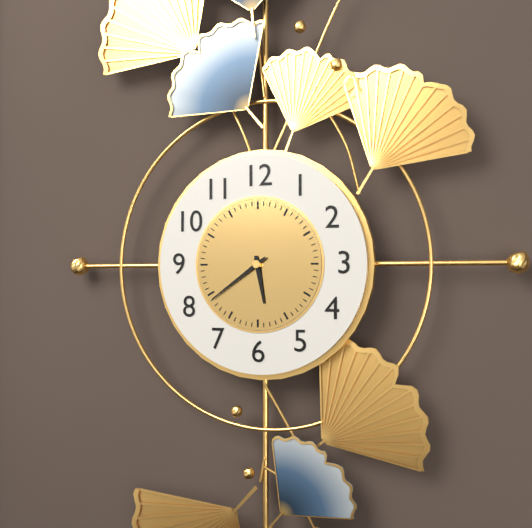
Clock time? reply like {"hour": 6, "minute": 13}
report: {"hour": 5, "minute": 39}
